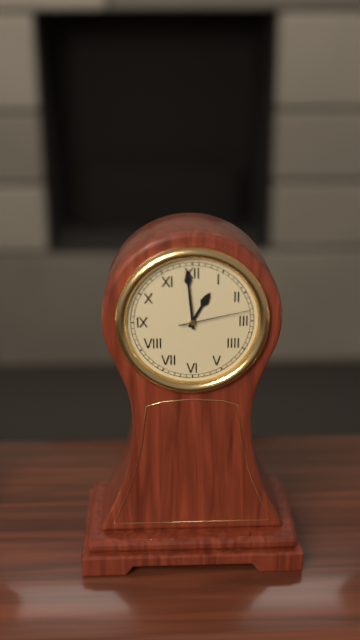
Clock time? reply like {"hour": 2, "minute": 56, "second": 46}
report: {"hour": 12, "minute": 59, "second": 13}
